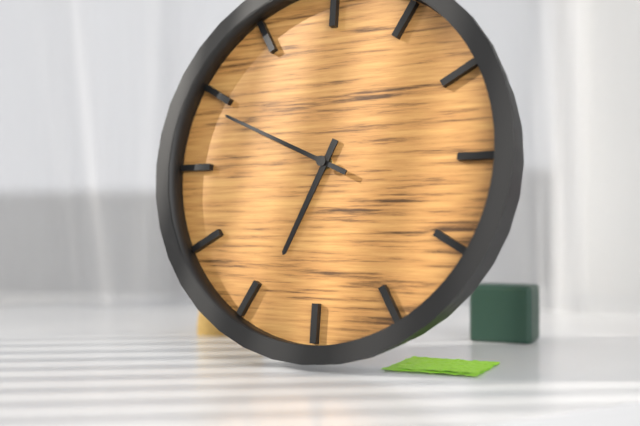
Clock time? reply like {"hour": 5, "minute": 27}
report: {"hour": 6, "minute": 49}
